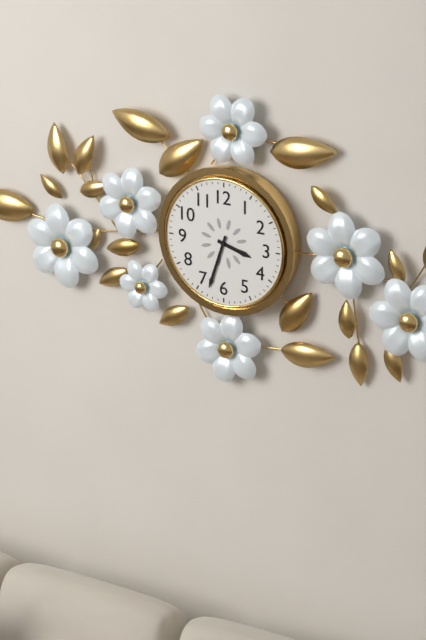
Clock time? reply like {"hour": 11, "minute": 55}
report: {"hour": 3, "minute": 33}
